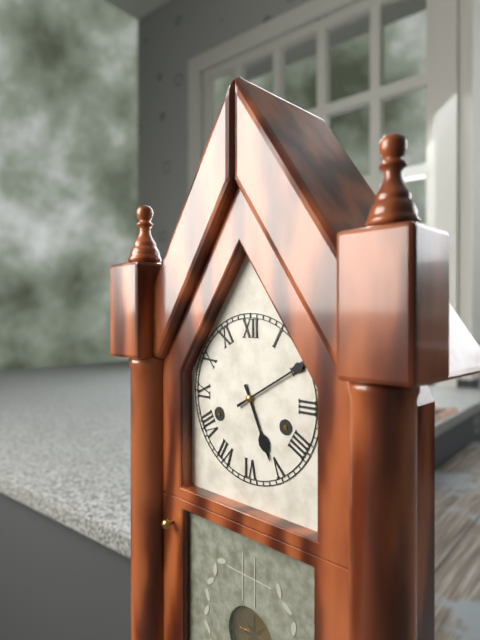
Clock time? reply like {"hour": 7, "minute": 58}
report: {"hour": 5, "minute": 10}
